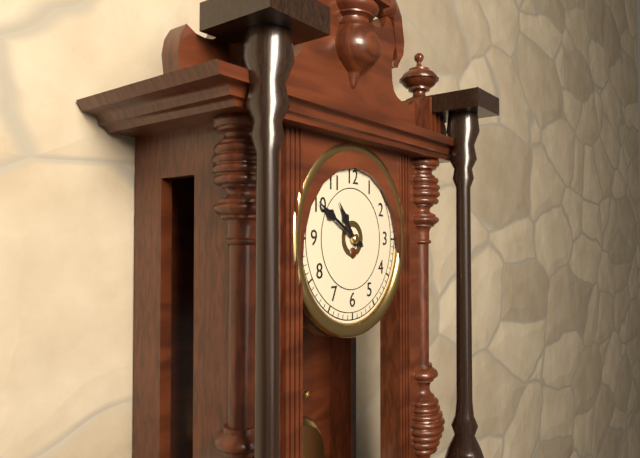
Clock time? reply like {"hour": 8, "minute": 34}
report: {"hour": 10, "minute": 50}
